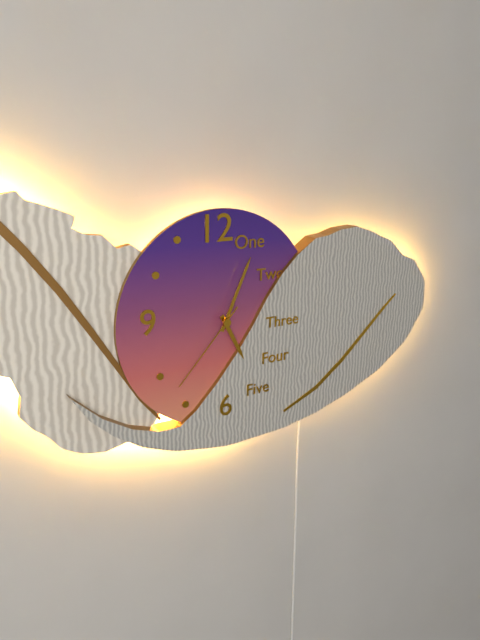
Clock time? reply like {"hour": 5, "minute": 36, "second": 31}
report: {"hour": 5, "minute": 4, "second": 37}
